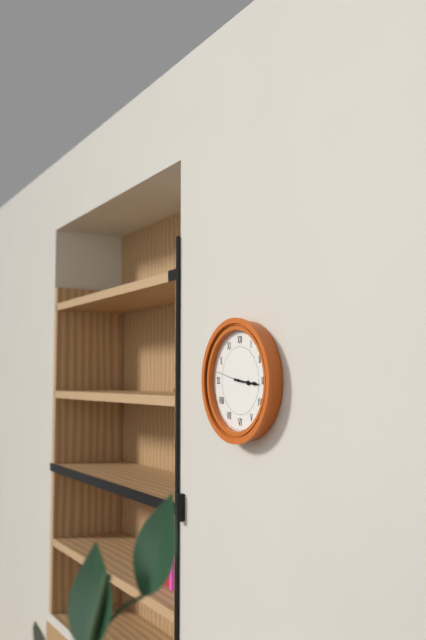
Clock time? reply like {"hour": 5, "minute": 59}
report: {"hour": 3, "minute": 16}
